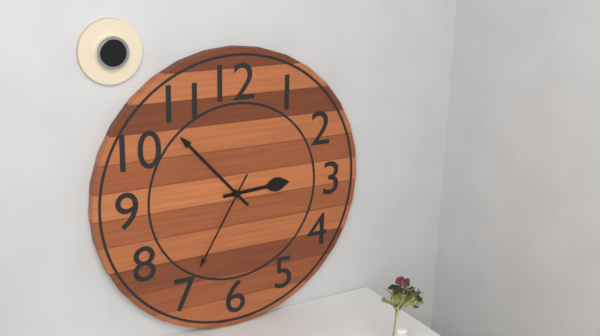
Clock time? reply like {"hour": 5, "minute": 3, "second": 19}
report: {"hour": 2, "minute": 53, "second": 35}
